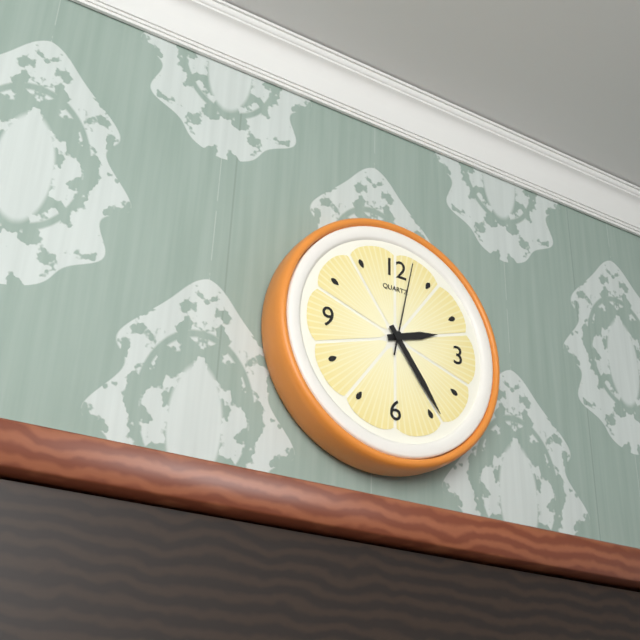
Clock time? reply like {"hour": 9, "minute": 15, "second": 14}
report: {"hour": 2, "minute": 24, "second": 2}
